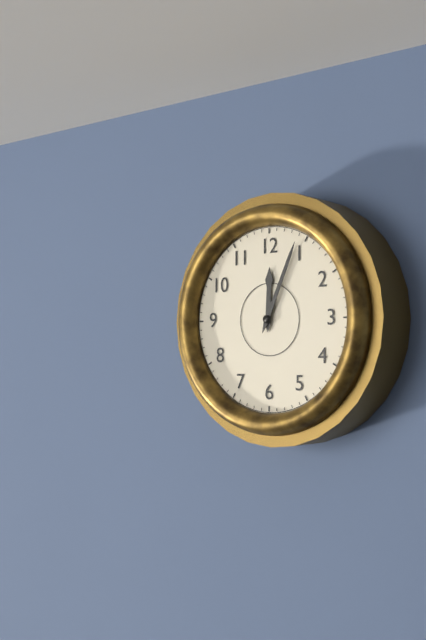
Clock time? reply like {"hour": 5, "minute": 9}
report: {"hour": 12, "minute": 4}
